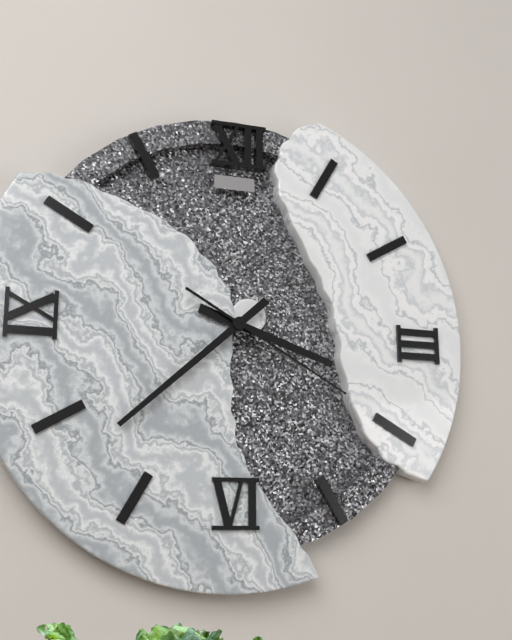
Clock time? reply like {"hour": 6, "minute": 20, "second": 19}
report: {"hour": 3, "minute": 38, "second": 20}
